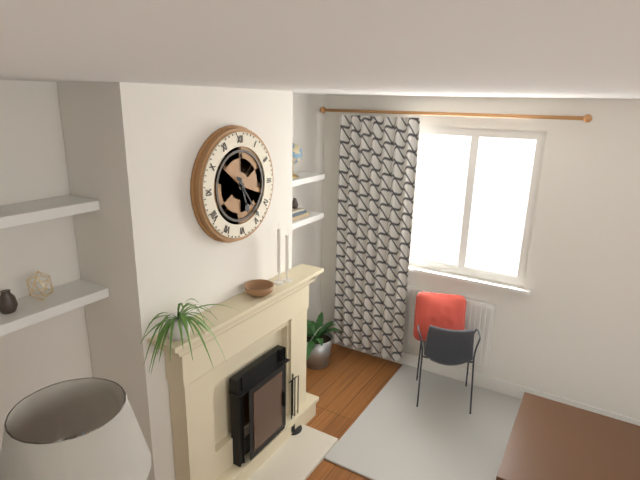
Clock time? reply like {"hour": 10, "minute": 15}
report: {"hour": 5, "minute": 24}
